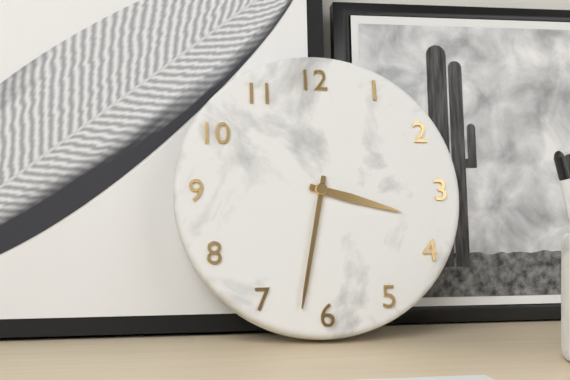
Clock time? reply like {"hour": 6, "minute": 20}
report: {"hour": 3, "minute": 32}
